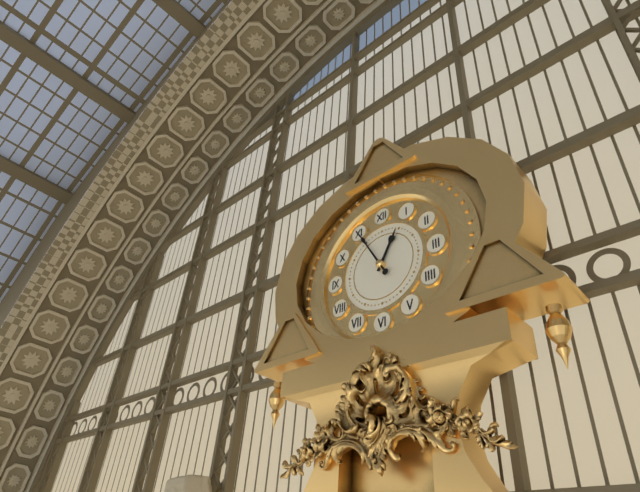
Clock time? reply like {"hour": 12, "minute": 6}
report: {"hour": 12, "minute": 55}
